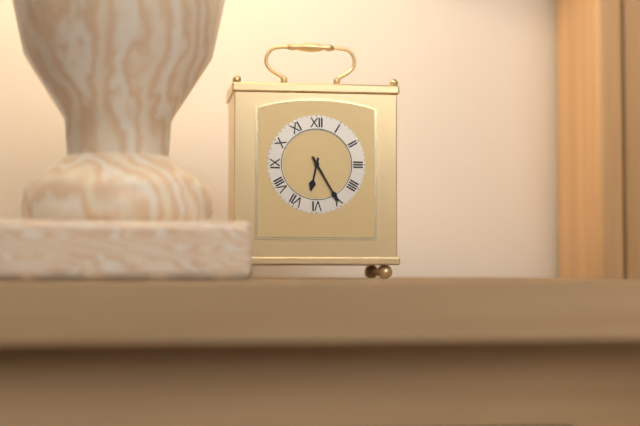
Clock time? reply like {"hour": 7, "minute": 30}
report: {"hour": 6, "minute": 25}
